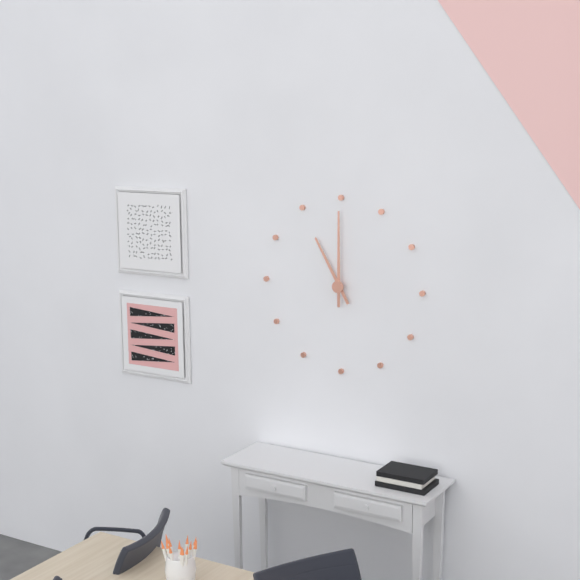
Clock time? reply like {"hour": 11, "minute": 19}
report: {"hour": 11, "minute": 0}
